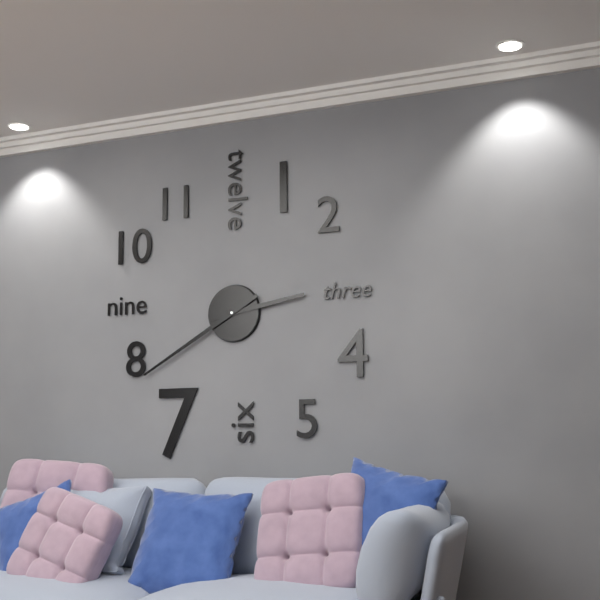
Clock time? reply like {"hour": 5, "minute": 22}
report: {"hour": 2, "minute": 40}
